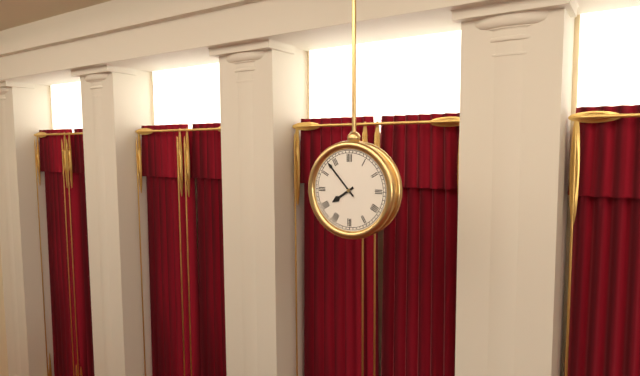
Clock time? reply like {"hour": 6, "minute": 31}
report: {"hour": 7, "minute": 53}
